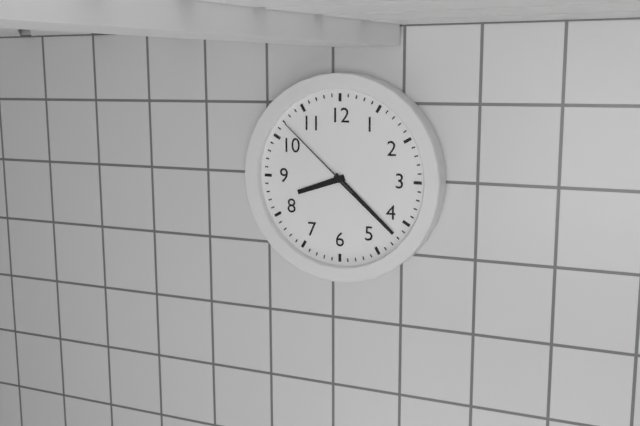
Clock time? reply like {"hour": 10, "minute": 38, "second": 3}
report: {"hour": 8, "minute": 22, "second": 52}
